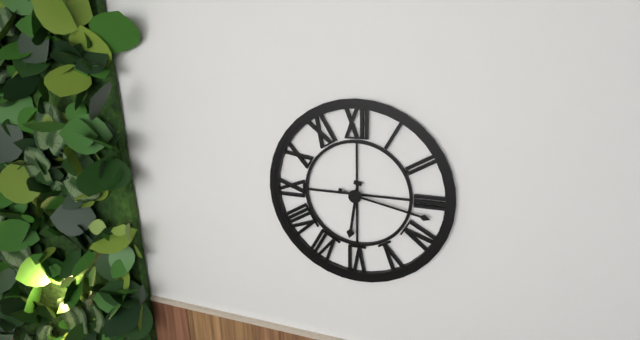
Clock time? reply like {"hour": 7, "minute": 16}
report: {"hour": 6, "minute": 17}
